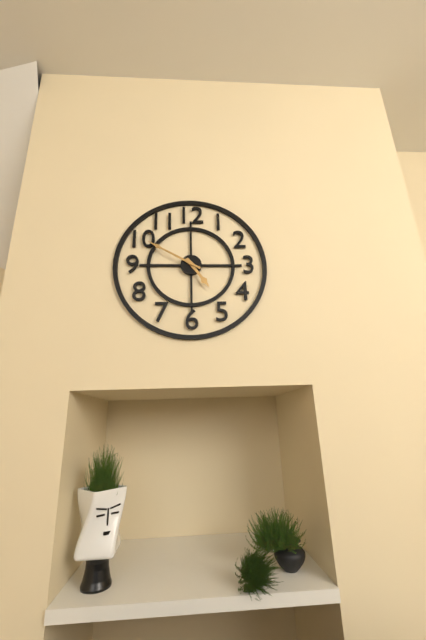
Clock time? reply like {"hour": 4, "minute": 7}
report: {"hour": 4, "minute": 50}
